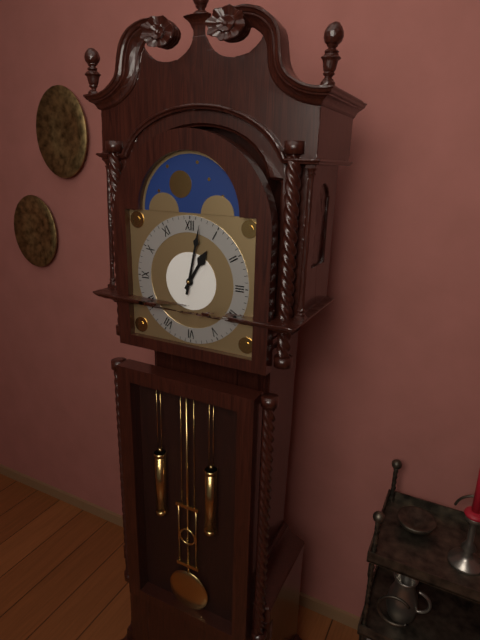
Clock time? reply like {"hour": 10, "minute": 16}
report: {"hour": 1, "minute": 2}
